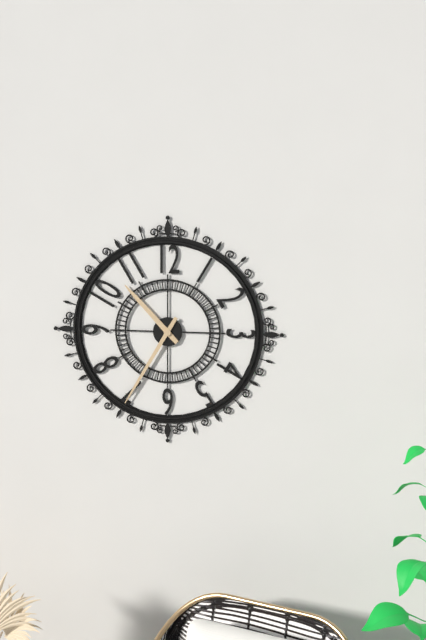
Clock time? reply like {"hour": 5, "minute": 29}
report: {"hour": 10, "minute": 35}
